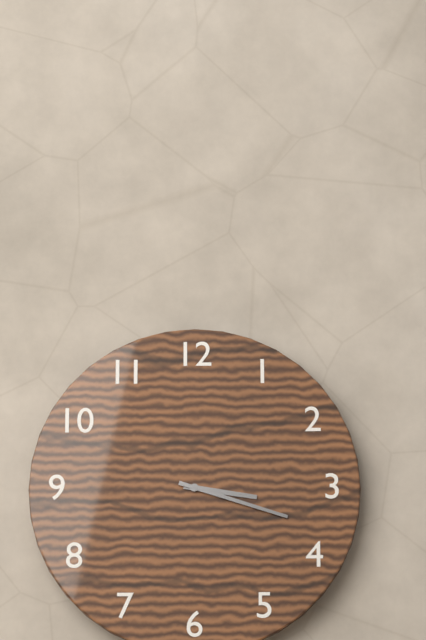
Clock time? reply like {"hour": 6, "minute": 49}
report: {"hour": 3, "minute": 18}
